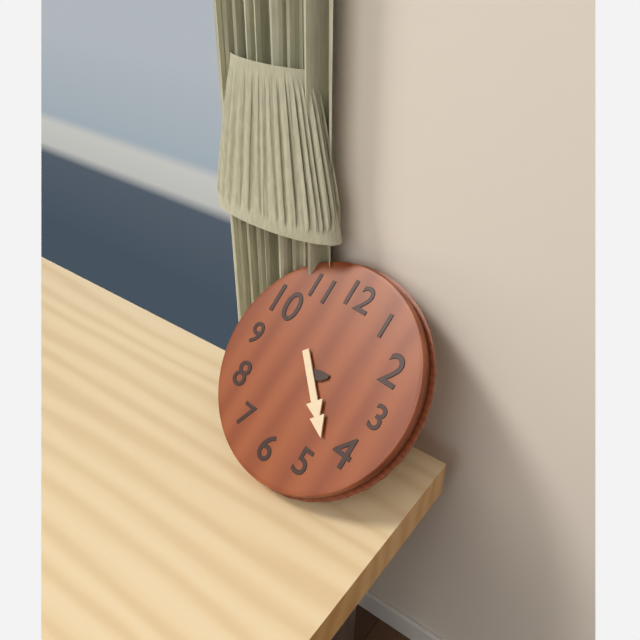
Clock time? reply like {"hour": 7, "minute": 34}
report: {"hour": 2, "minute": 22}
